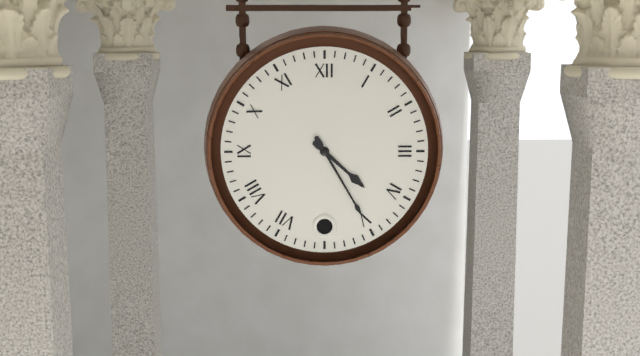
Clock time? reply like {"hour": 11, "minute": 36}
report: {"hour": 4, "minute": 25}
